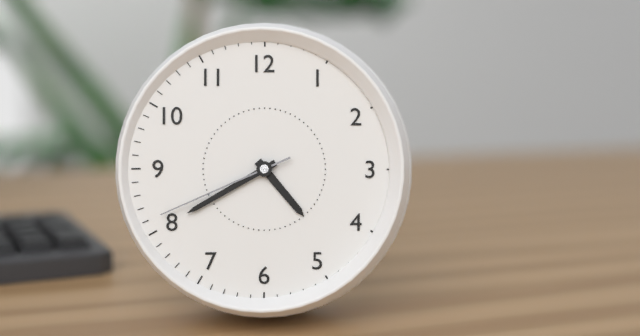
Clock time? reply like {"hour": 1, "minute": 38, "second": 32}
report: {"hour": 4, "minute": 40, "second": 41}
